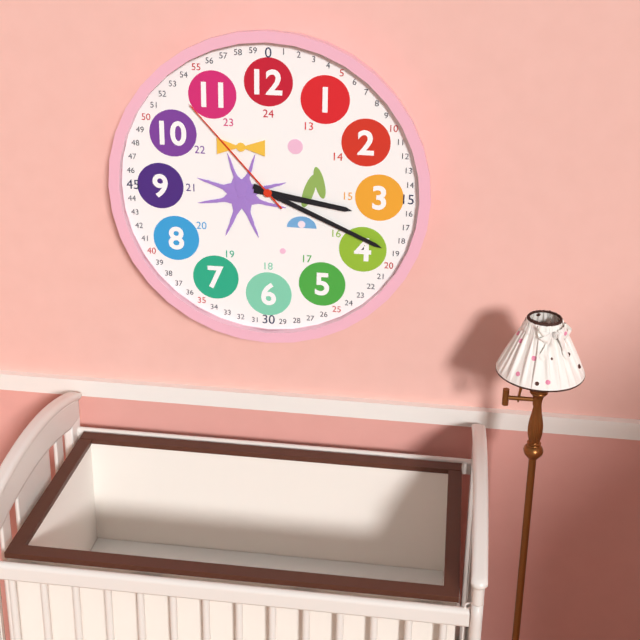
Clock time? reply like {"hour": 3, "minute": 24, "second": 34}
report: {"hour": 3, "minute": 19, "second": 53}
